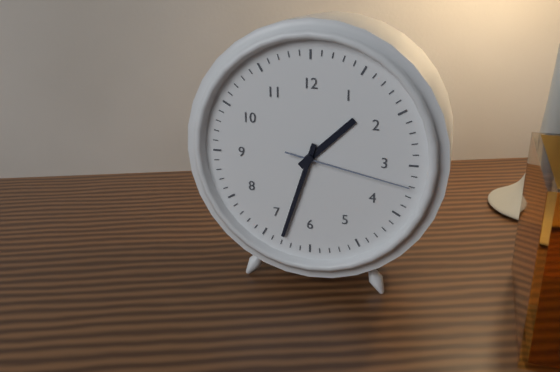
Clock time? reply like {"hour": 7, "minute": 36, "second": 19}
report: {"hour": 1, "minute": 33, "second": 17}
